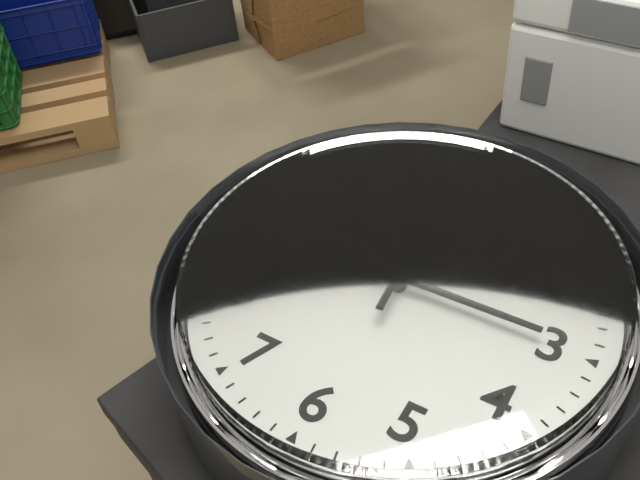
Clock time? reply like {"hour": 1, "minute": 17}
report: {"hour": 2, "minute": 59}
